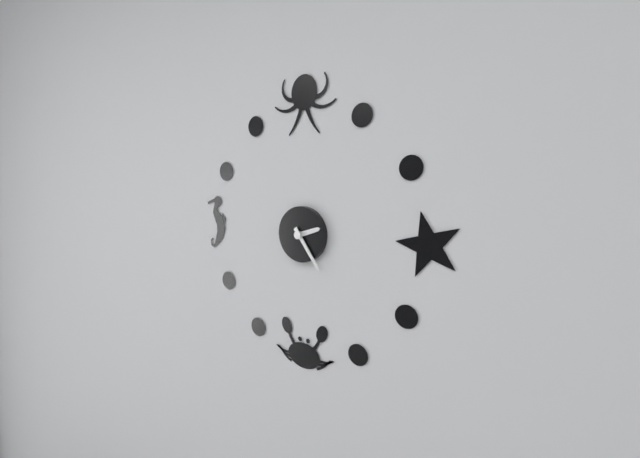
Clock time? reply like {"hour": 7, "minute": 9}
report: {"hour": 2, "minute": 24}
